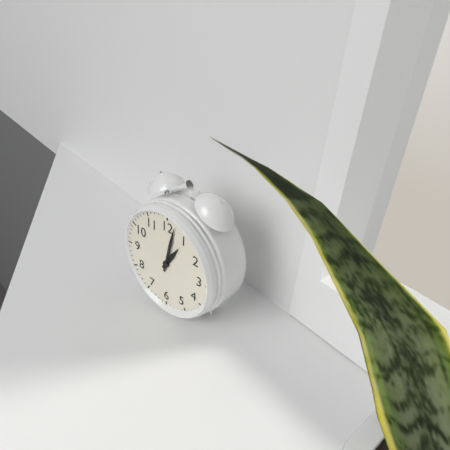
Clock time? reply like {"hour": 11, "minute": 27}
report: {"hour": 1, "minute": 2}
